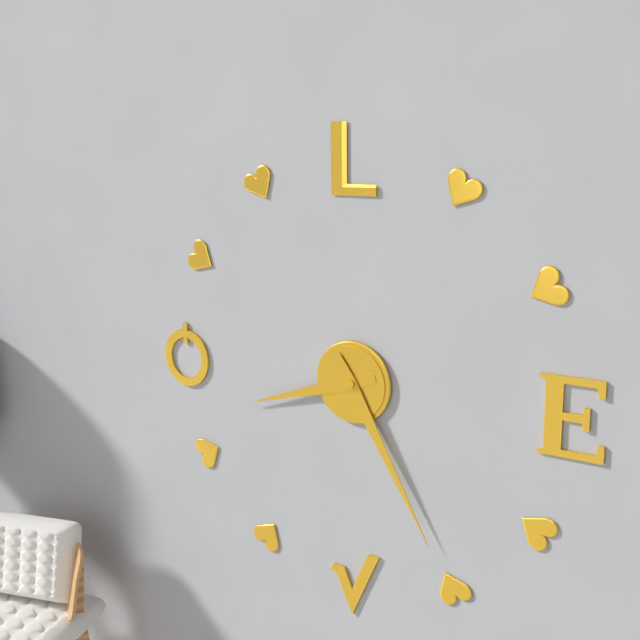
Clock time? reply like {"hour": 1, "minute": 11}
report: {"hour": 8, "minute": 25}
